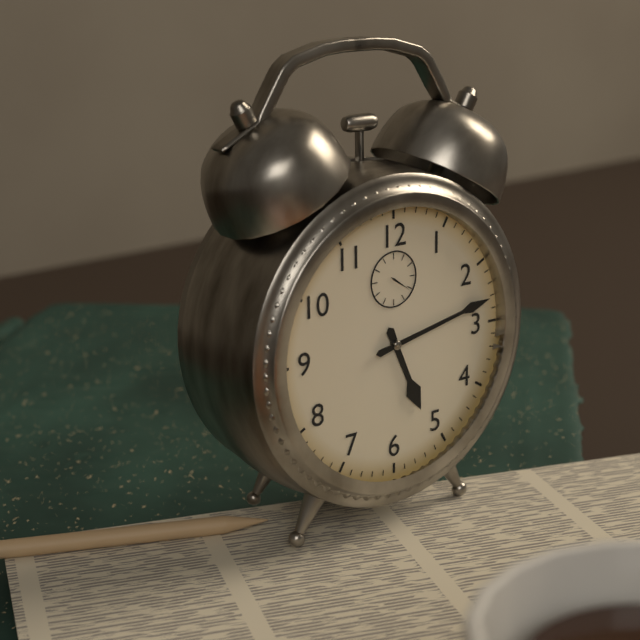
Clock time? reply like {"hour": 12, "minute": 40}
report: {"hour": 5, "minute": 13}
